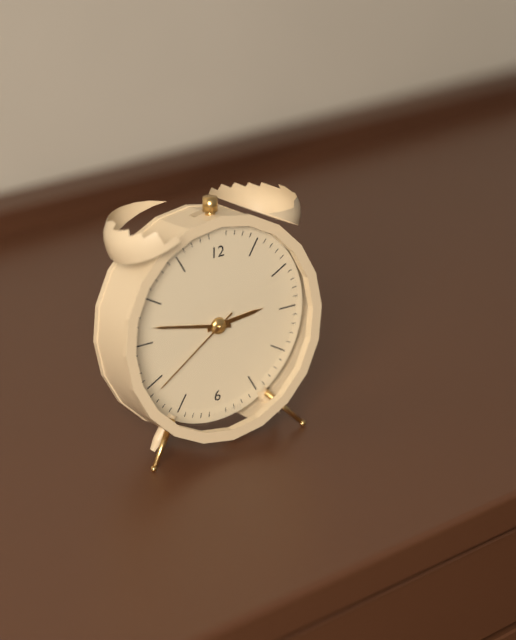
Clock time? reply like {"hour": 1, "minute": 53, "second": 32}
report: {"hour": 2, "minute": 47, "second": 39}
